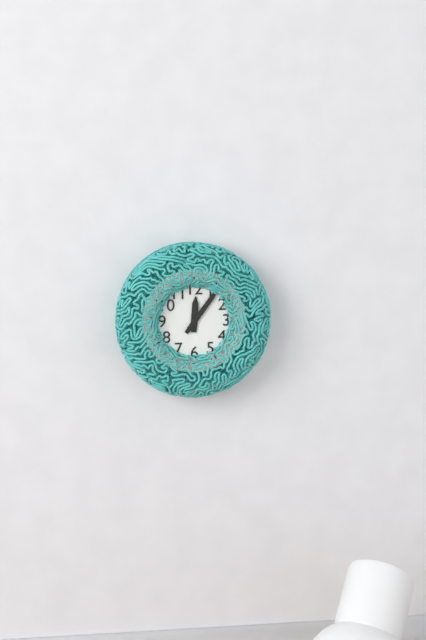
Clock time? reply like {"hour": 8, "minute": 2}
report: {"hour": 12, "minute": 6}
